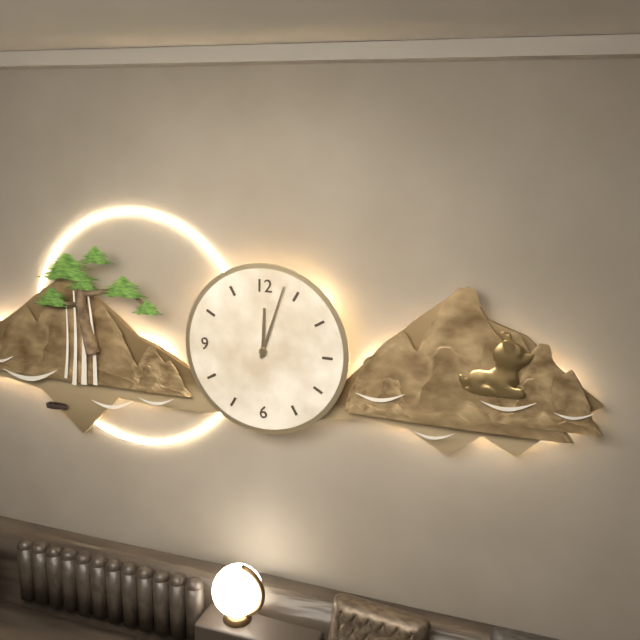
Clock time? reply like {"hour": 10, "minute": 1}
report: {"hour": 12, "minute": 3}
